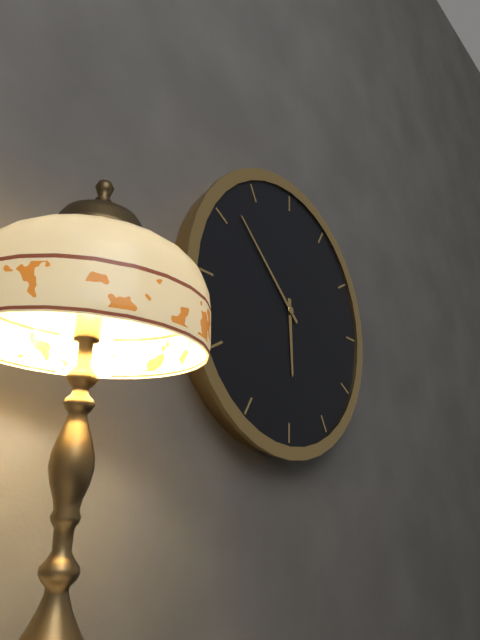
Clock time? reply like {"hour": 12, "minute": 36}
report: {"hour": 5, "minute": 52}
